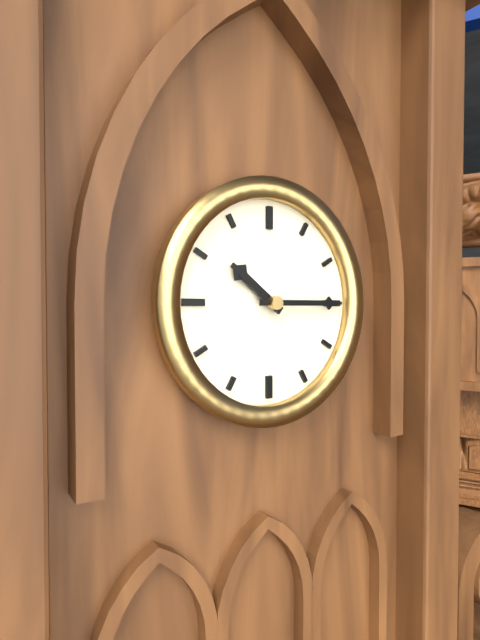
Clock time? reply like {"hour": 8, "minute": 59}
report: {"hour": 10, "minute": 15}
